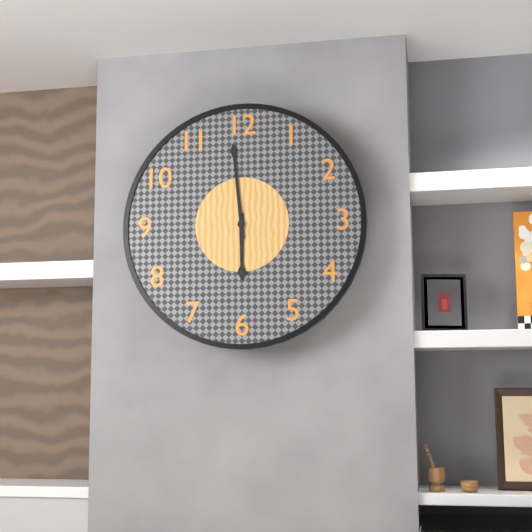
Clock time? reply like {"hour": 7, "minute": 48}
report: {"hour": 5, "minute": 59}
